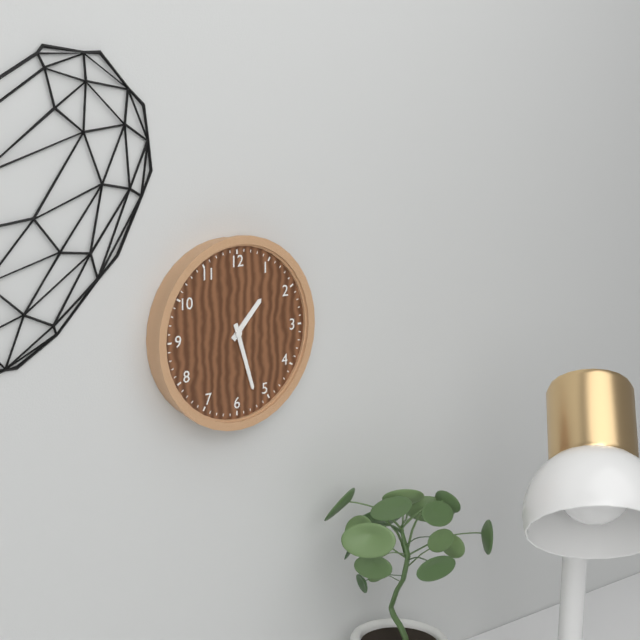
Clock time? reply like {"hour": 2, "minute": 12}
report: {"hour": 1, "minute": 27}
